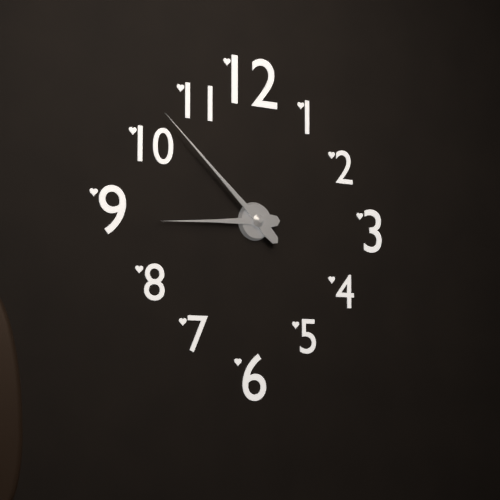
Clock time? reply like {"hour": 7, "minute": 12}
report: {"hour": 8, "minute": 52}
